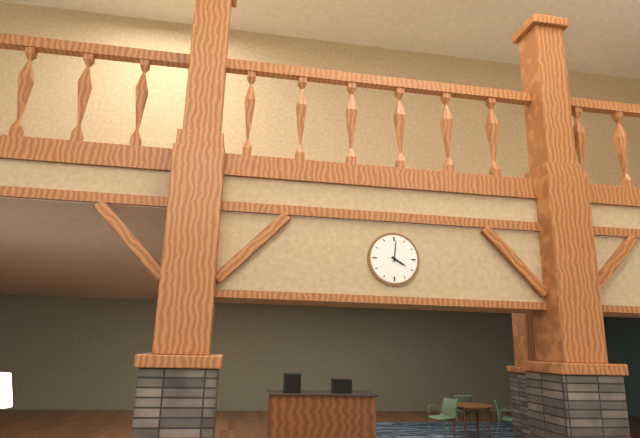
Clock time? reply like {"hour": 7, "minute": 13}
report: {"hour": 4, "minute": 1}
